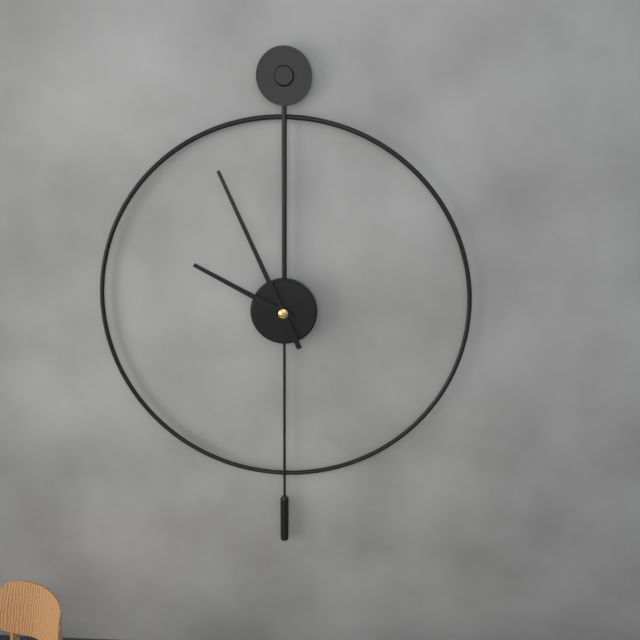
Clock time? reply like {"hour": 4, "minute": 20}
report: {"hour": 9, "minute": 56}
